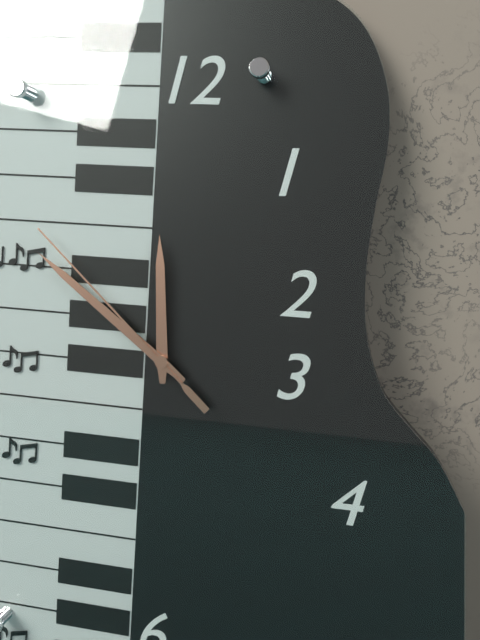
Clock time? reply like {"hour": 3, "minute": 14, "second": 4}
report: {"hour": 11, "minute": 51, "second": 52}
